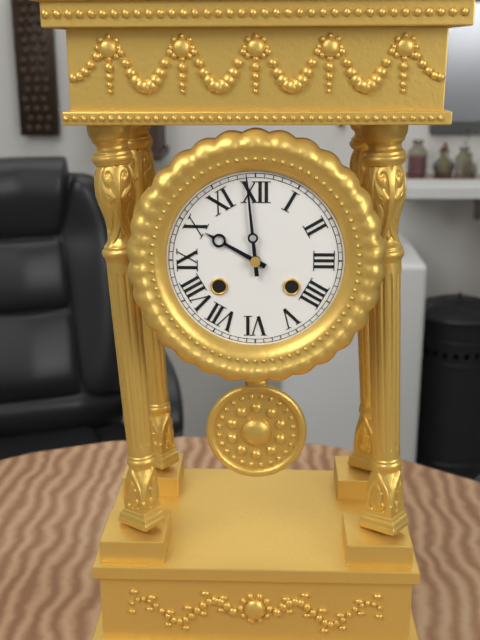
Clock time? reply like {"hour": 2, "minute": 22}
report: {"hour": 9, "minute": 59}
